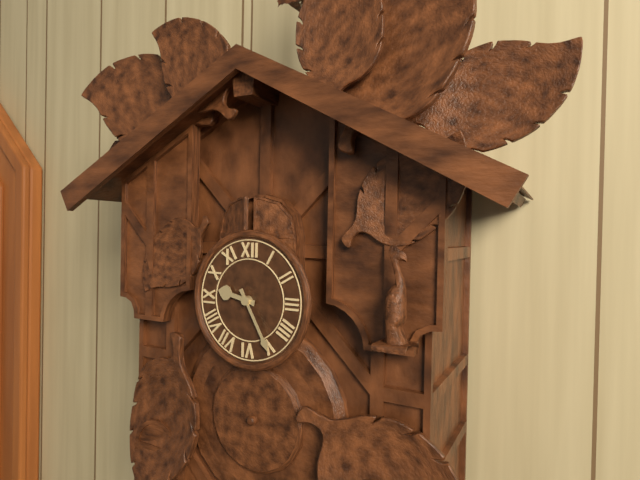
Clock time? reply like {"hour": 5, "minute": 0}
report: {"hour": 9, "minute": 25}
